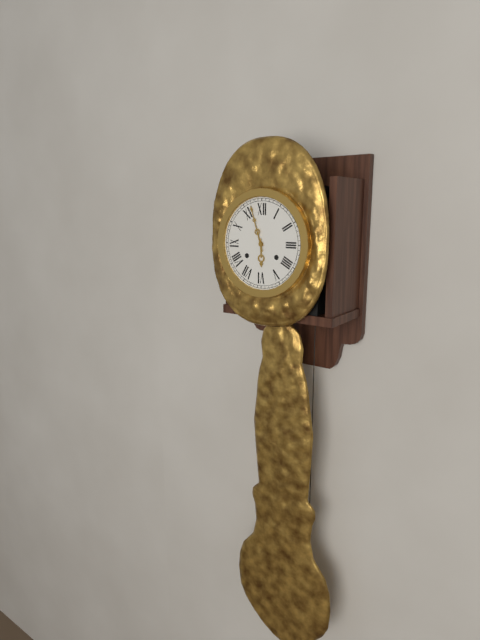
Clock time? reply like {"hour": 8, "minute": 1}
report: {"hour": 5, "minute": 57}
